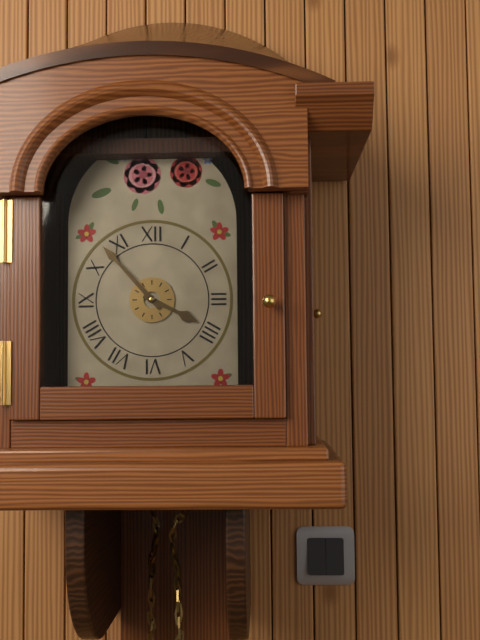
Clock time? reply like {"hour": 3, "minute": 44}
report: {"hour": 3, "minute": 53}
